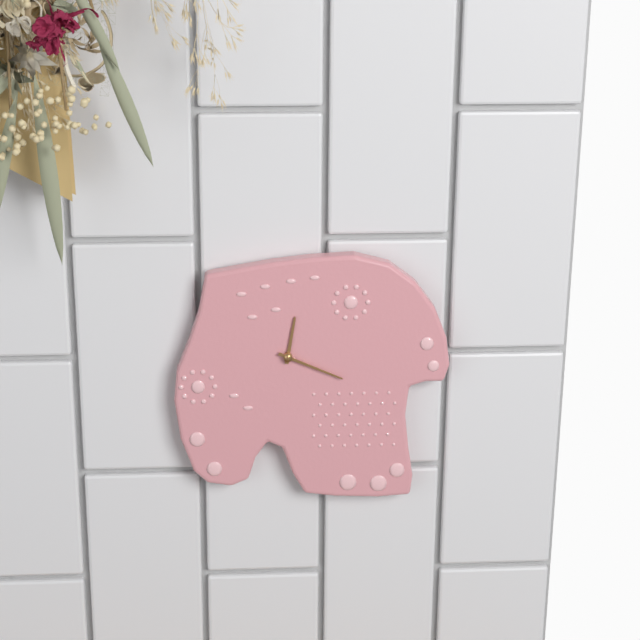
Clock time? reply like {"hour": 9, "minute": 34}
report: {"hour": 12, "minute": 19}
